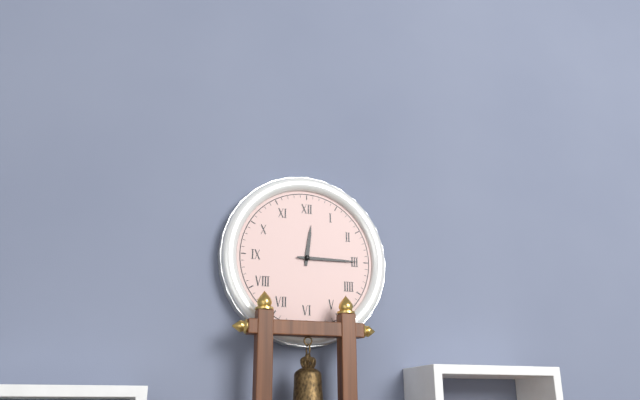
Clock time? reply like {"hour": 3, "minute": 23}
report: {"hour": 12, "minute": 15}
